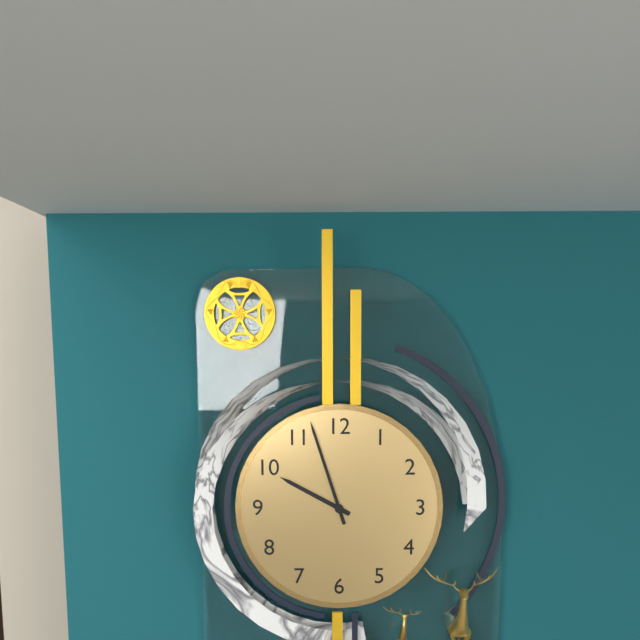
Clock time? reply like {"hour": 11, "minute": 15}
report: {"hour": 9, "minute": 57}
